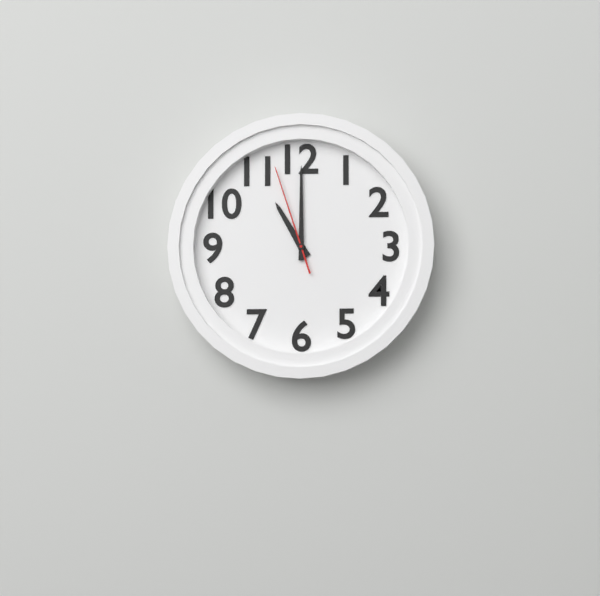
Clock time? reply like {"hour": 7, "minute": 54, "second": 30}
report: {"hour": 11, "minute": 0, "second": 57}
